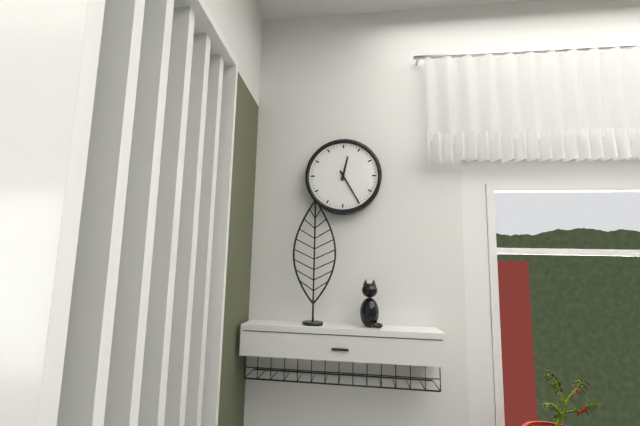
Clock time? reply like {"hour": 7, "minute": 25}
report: {"hour": 12, "minute": 25}
